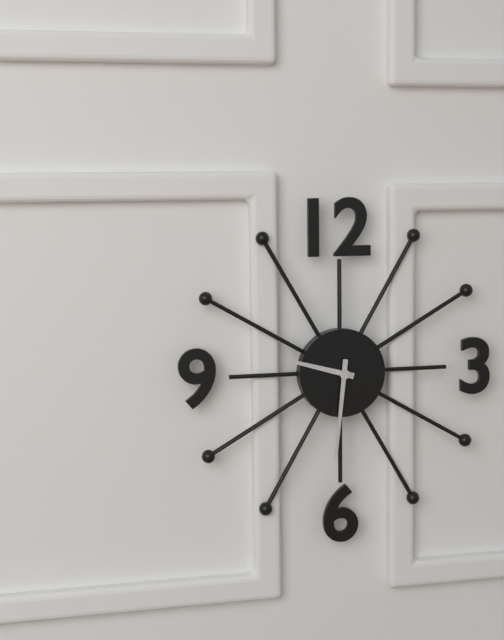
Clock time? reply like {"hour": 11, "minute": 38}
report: {"hour": 9, "minute": 31}
